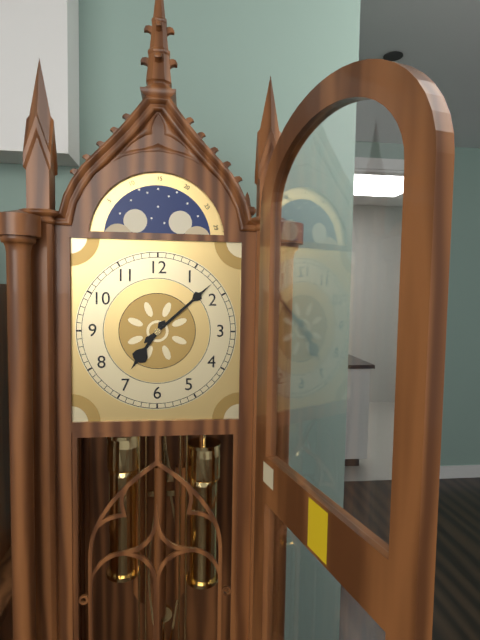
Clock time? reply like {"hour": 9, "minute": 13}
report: {"hour": 7, "minute": 8}
